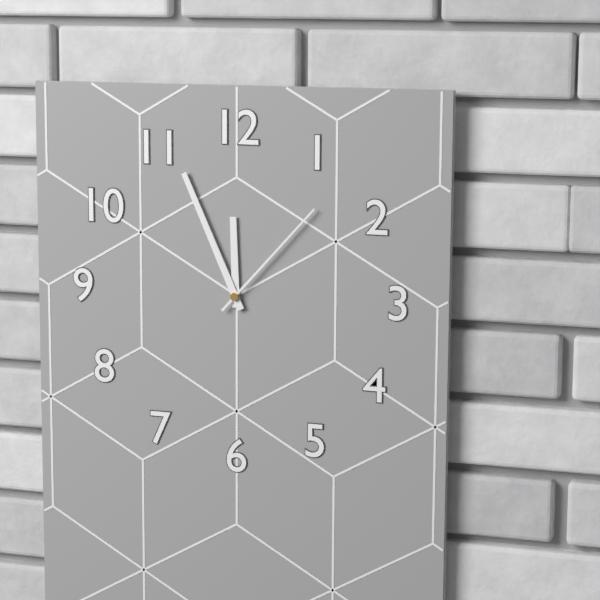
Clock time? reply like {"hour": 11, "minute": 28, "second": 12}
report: {"hour": 11, "minute": 56, "second": 7}
